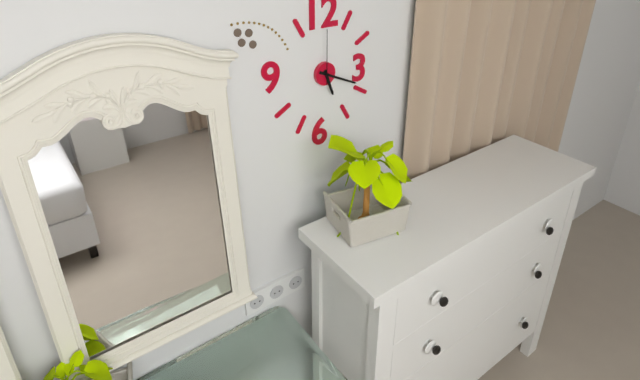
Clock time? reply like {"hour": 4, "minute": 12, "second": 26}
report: {"hour": 5, "minute": 19, "second": 0}
